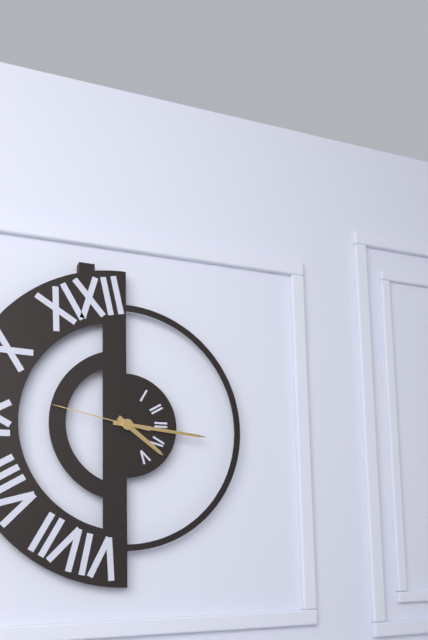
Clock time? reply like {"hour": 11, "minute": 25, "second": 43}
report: {"hour": 4, "minute": 16, "second": 47}
